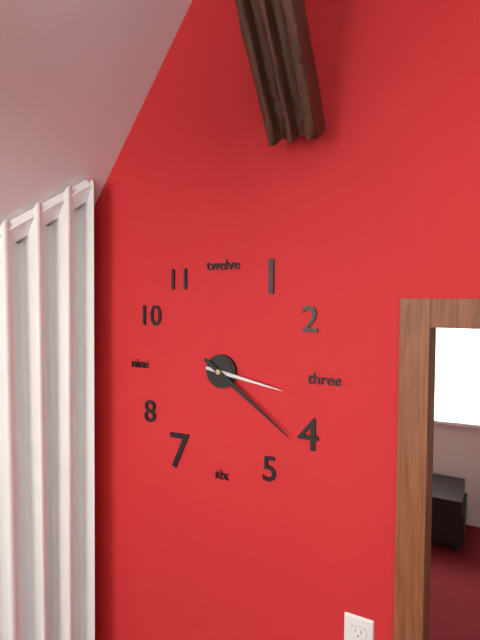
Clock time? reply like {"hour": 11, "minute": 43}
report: {"hour": 3, "minute": 21}
